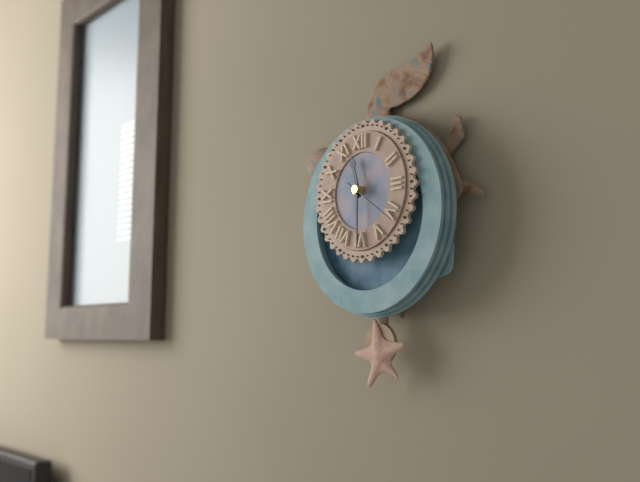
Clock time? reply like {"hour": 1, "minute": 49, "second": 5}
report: {"hour": 11, "minute": 30, "second": 21}
